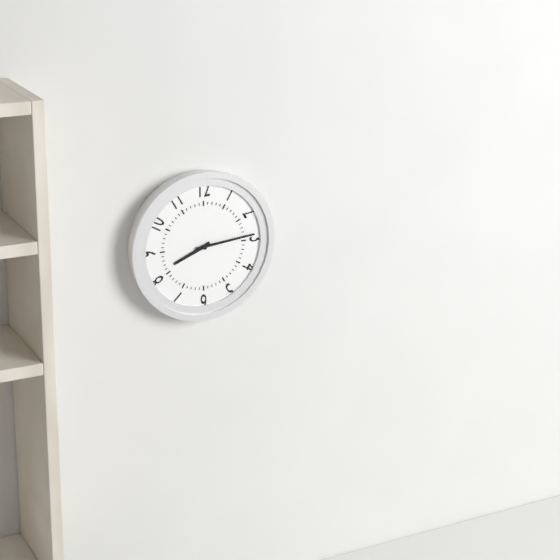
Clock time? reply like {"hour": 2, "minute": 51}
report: {"hour": 8, "minute": 14}
